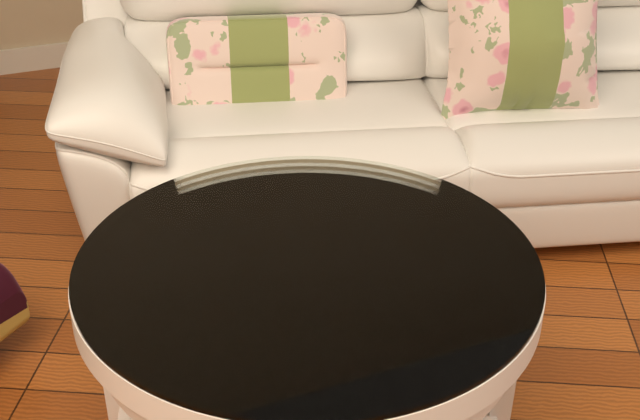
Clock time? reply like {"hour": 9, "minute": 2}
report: {"hour": 11, "minute": 12}
